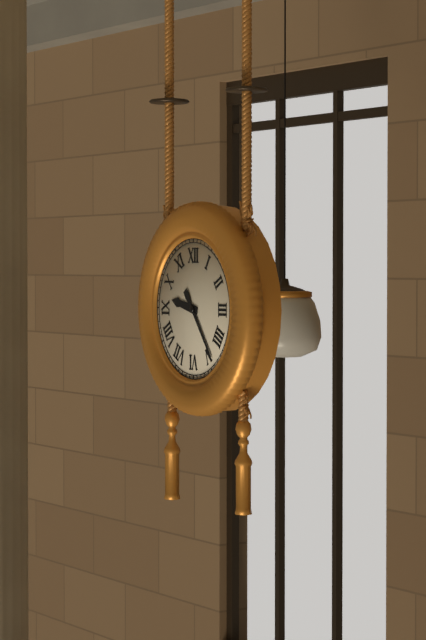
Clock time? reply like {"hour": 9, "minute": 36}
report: {"hour": 9, "minute": 24}
